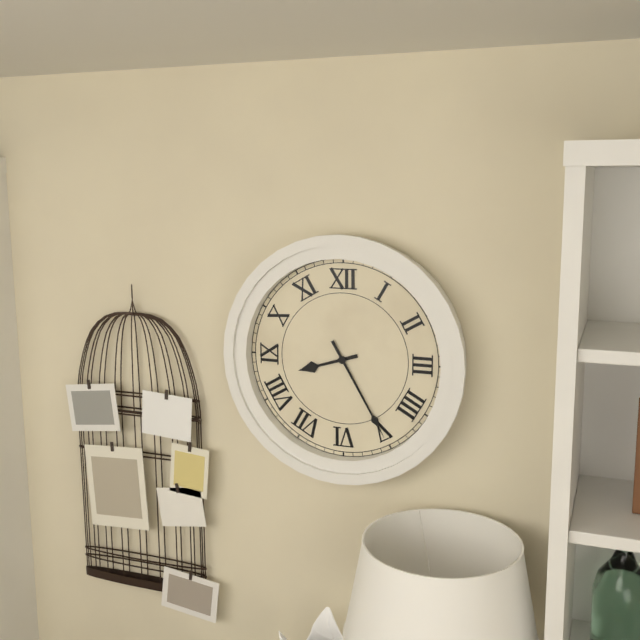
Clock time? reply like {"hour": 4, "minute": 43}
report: {"hour": 8, "minute": 25}
